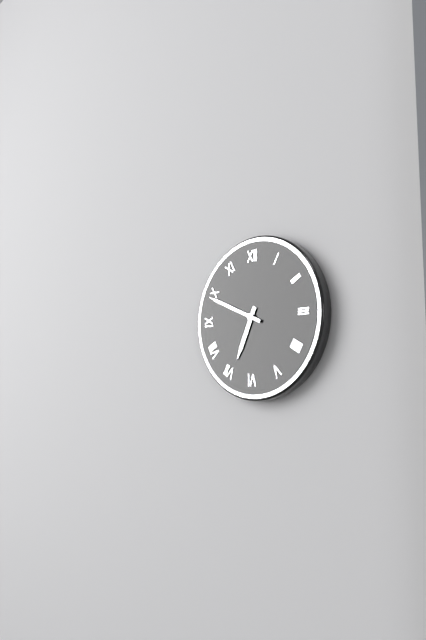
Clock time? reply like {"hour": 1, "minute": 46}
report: {"hour": 6, "minute": 49}
